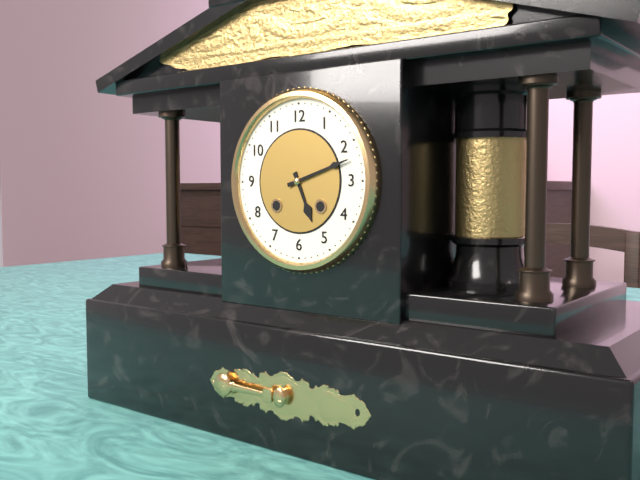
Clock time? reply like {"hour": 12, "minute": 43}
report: {"hour": 5, "minute": 12}
